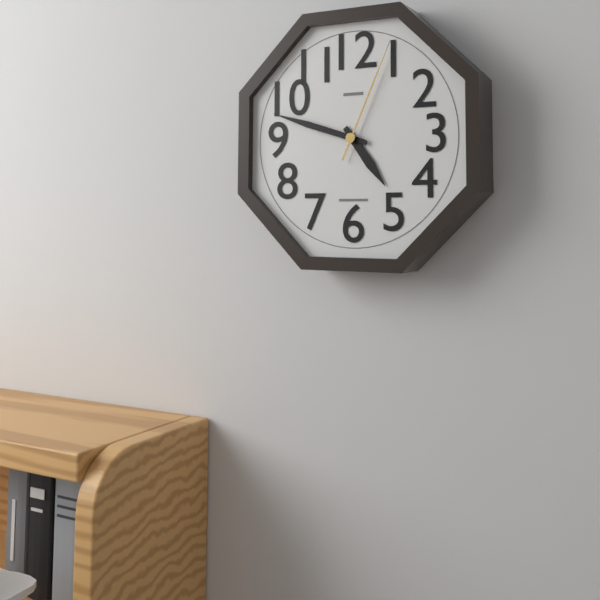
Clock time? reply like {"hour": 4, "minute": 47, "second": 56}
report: {"hour": 4, "minute": 48, "second": 4}
